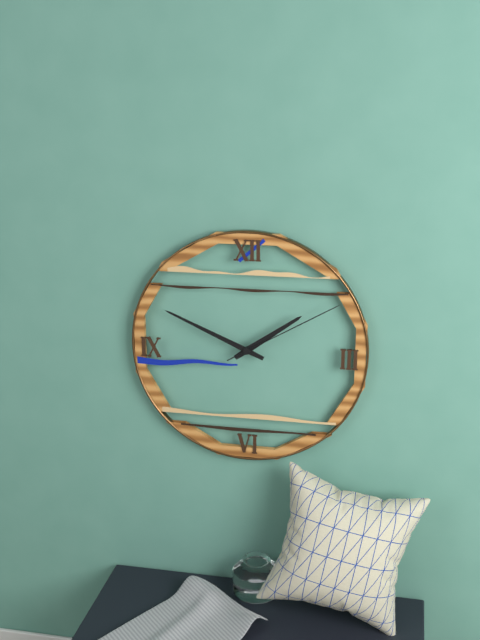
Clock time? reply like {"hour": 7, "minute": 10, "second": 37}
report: {"hour": 1, "minute": 49, "second": 10}
